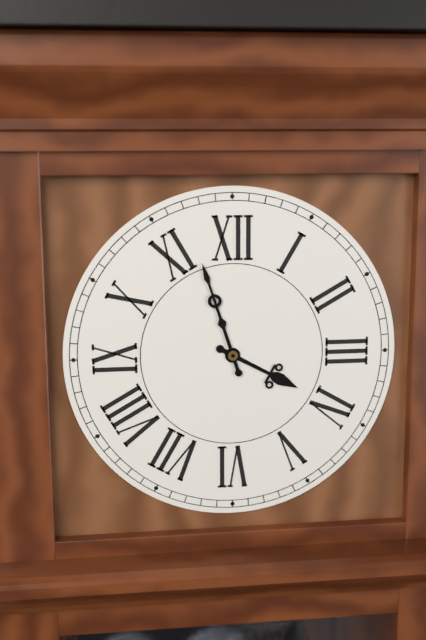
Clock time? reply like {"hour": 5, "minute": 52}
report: {"hour": 3, "minute": 57}
